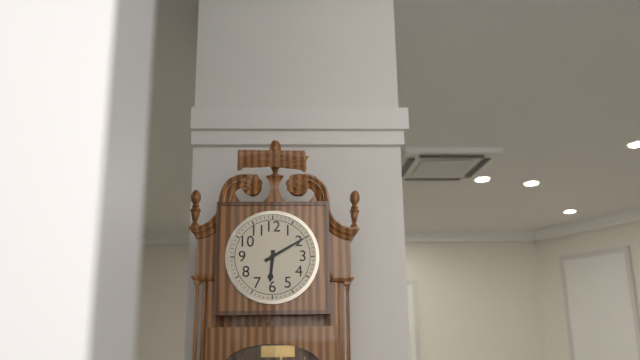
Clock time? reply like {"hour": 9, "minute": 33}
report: {"hour": 6, "minute": 10}
